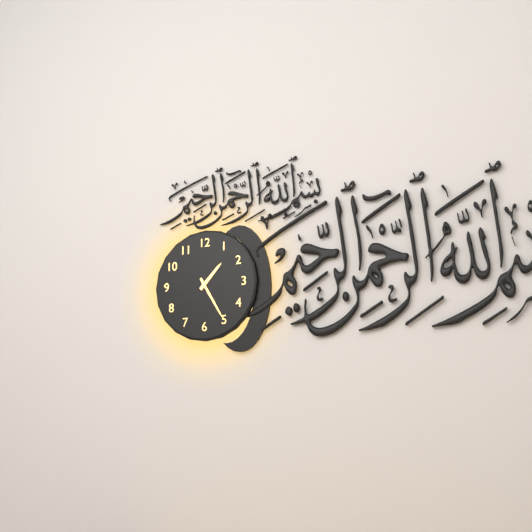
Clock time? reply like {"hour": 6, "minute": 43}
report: {"hour": 1, "minute": 25}
